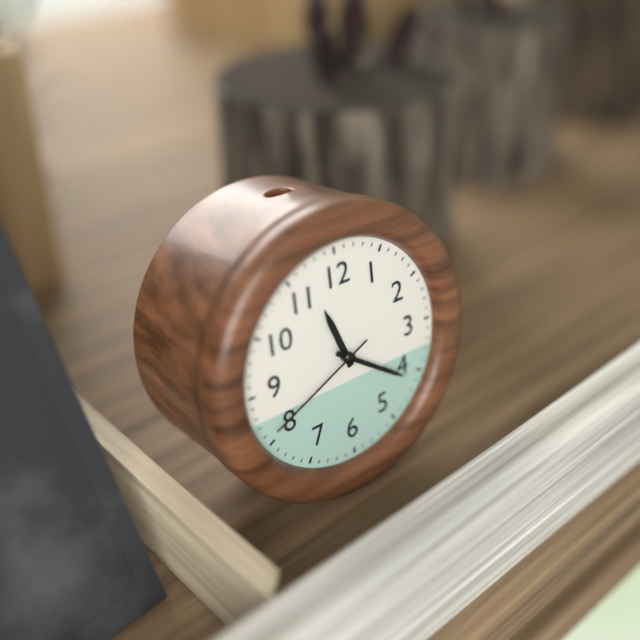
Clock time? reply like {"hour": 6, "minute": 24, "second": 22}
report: {"hour": 11, "minute": 21, "second": 41}
